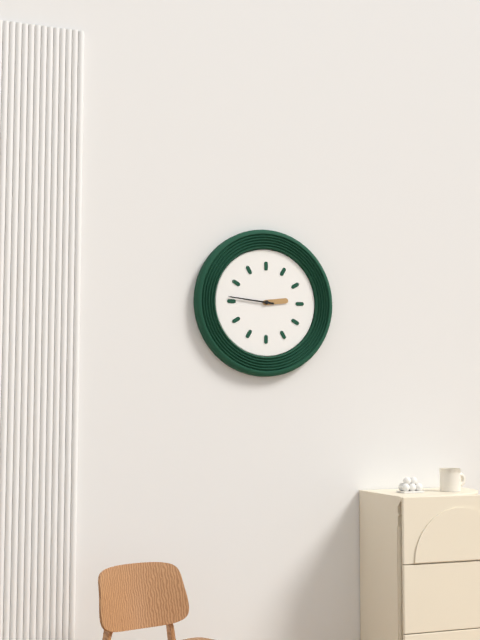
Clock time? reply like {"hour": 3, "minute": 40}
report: {"hour": 2, "minute": 46}
